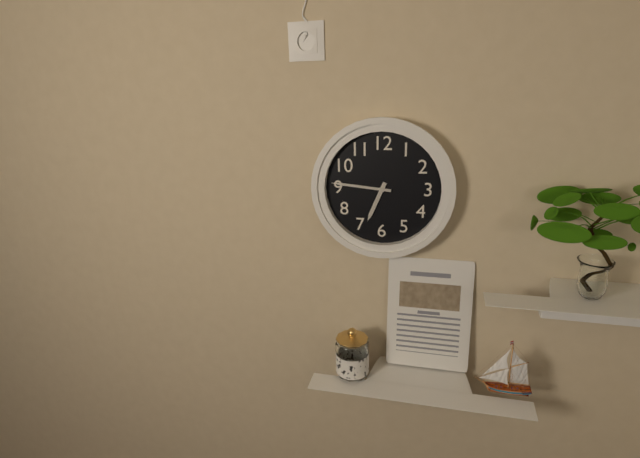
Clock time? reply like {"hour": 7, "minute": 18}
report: {"hour": 6, "minute": 46}
